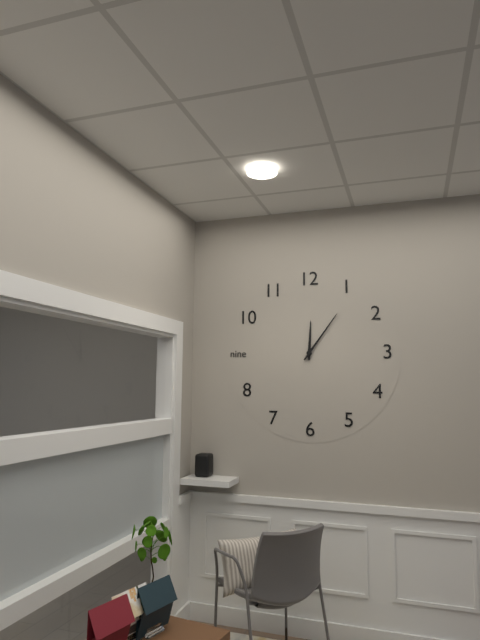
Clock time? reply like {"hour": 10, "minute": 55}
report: {"hour": 12, "minute": 6}
